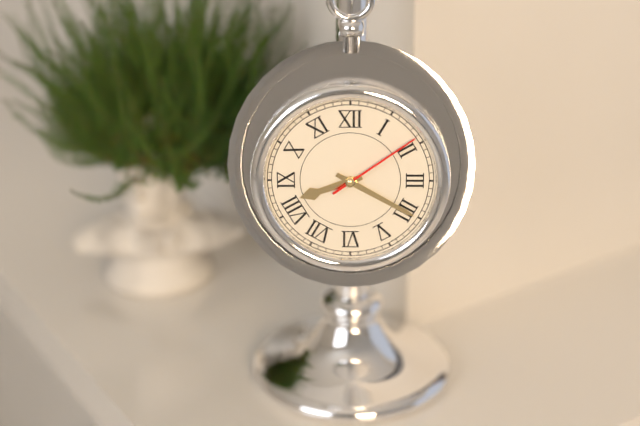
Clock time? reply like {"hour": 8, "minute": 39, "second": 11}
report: {"hour": 8, "minute": 20, "second": 9}
